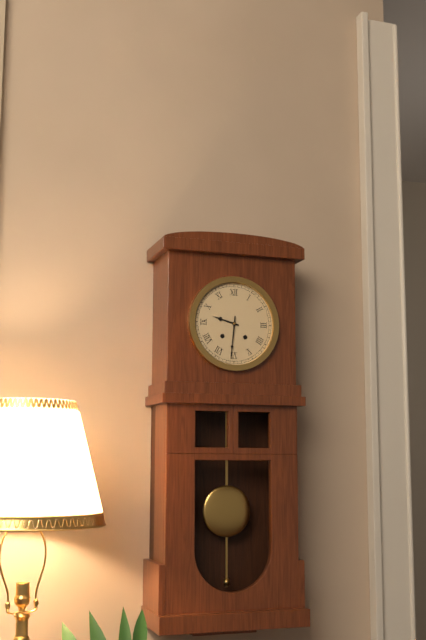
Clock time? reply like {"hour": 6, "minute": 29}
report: {"hour": 9, "minute": 31}
